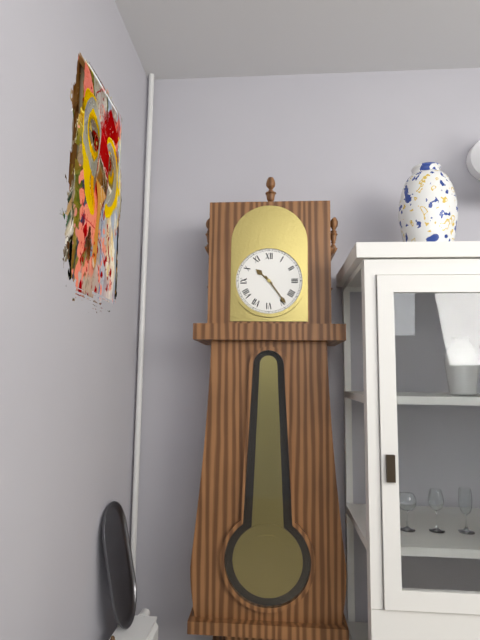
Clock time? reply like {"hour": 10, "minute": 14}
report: {"hour": 10, "minute": 24}
